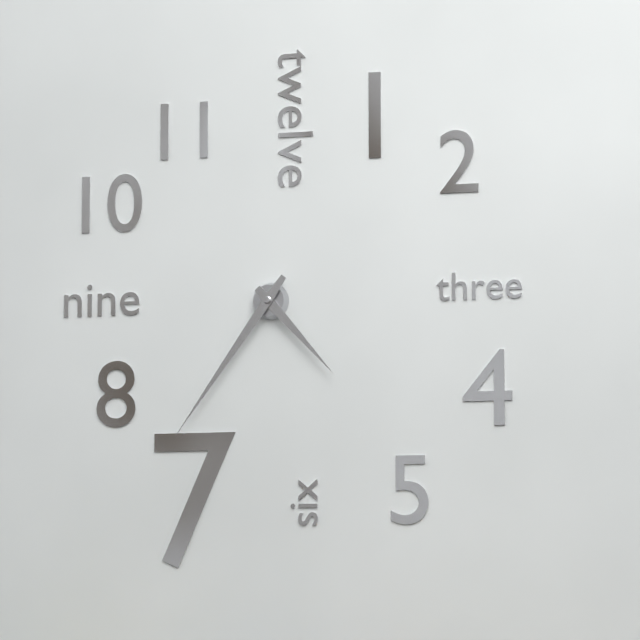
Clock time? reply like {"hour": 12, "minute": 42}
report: {"hour": 4, "minute": 36}
